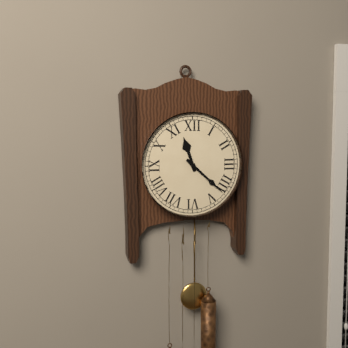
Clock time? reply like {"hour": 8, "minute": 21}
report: {"hour": 11, "minute": 22}
